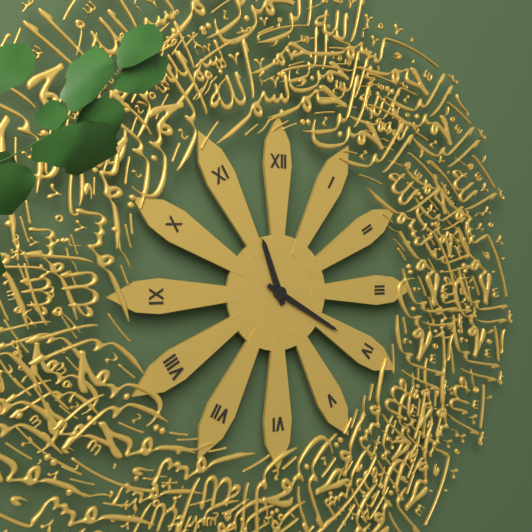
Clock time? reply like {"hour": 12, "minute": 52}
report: {"hour": 11, "minute": 20}
